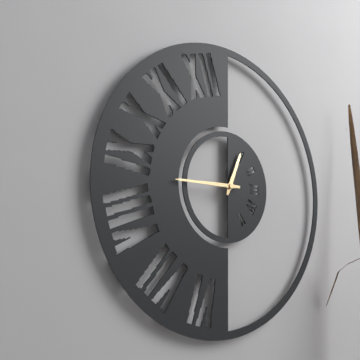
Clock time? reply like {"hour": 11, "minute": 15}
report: {"hour": 12, "minute": 45}
